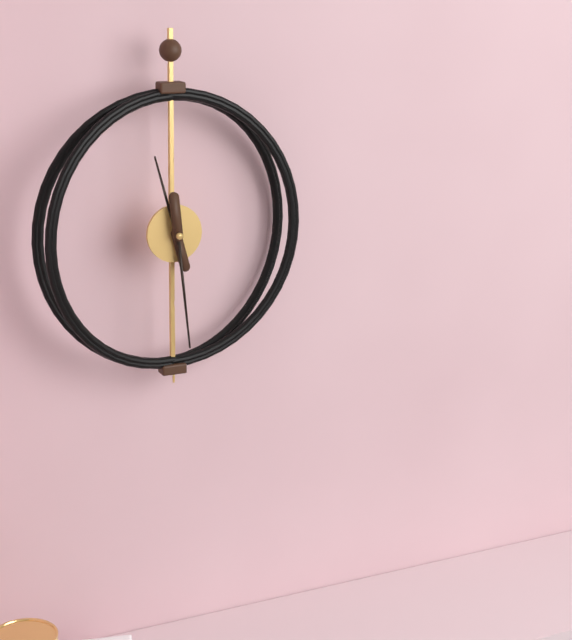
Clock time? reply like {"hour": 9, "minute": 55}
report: {"hour": 11, "minute": 29}
